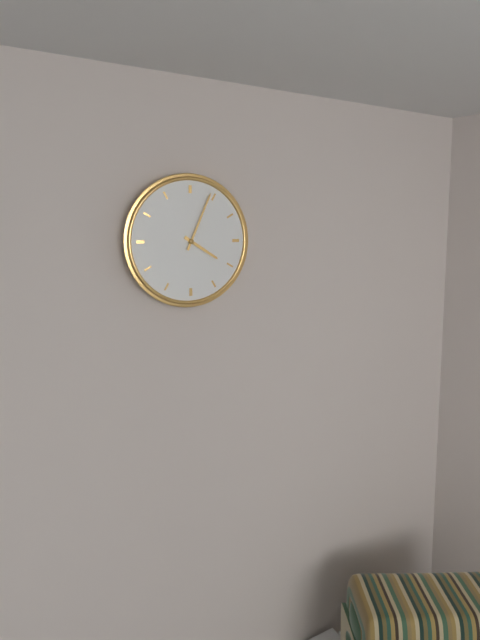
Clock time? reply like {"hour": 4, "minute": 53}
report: {"hour": 4, "minute": 4}
